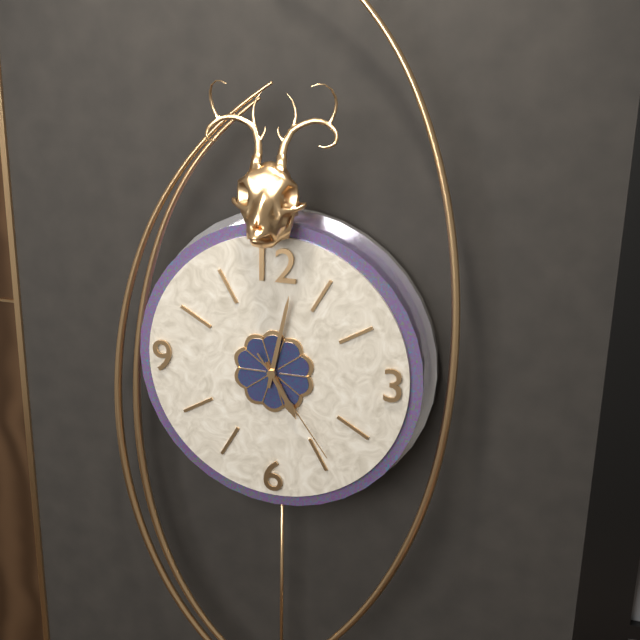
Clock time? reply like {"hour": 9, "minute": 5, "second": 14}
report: {"hour": 5, "minute": 2, "second": 24}
